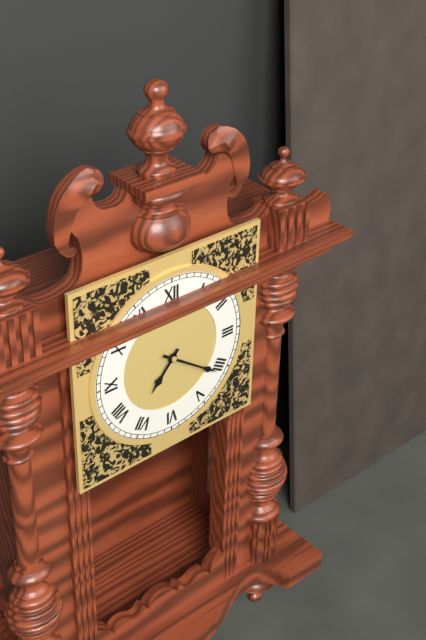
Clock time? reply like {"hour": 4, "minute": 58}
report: {"hour": 7, "minute": 21}
